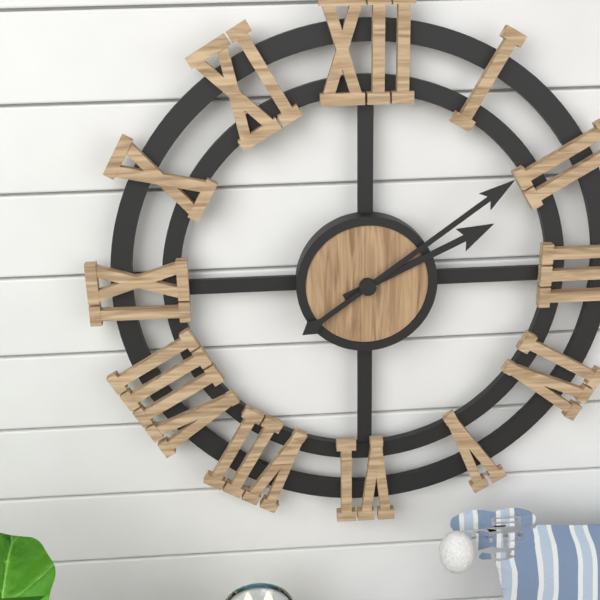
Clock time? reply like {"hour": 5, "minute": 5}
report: {"hour": 2, "minute": 9}
